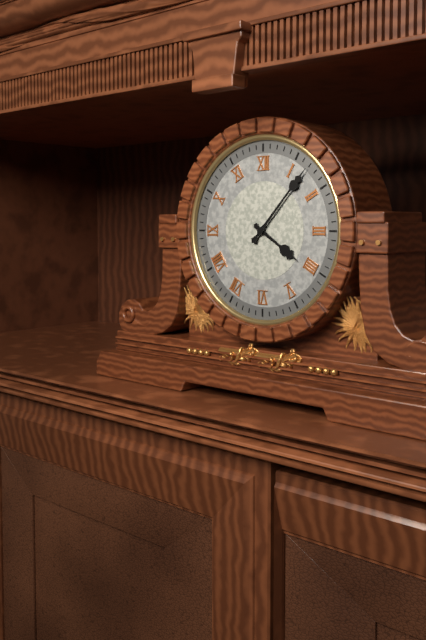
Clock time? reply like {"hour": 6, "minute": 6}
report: {"hour": 4, "minute": 7}
